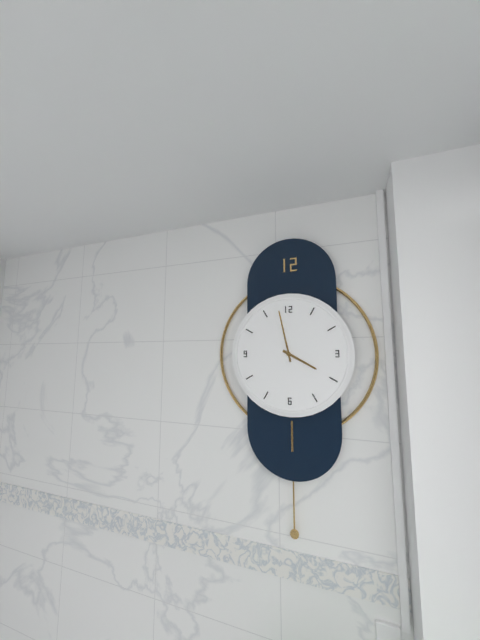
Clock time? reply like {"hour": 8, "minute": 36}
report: {"hour": 3, "minute": 58}
